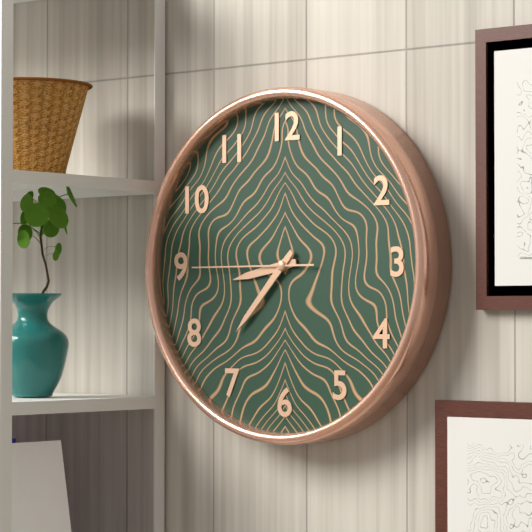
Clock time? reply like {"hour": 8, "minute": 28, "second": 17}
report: {"hour": 8, "minute": 37, "second": 45}
